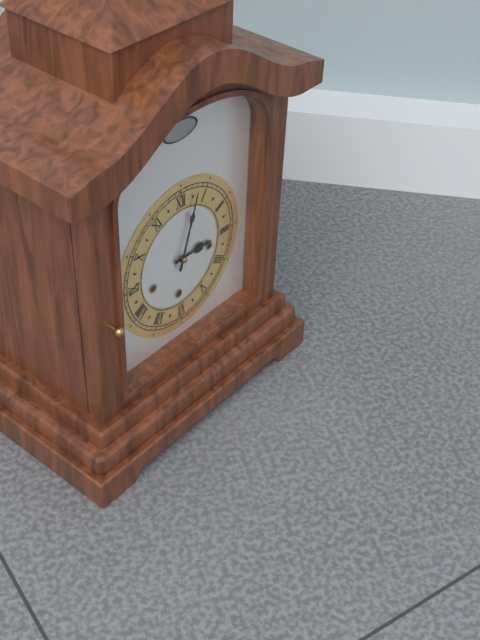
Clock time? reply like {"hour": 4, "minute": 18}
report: {"hour": 3, "minute": 3}
